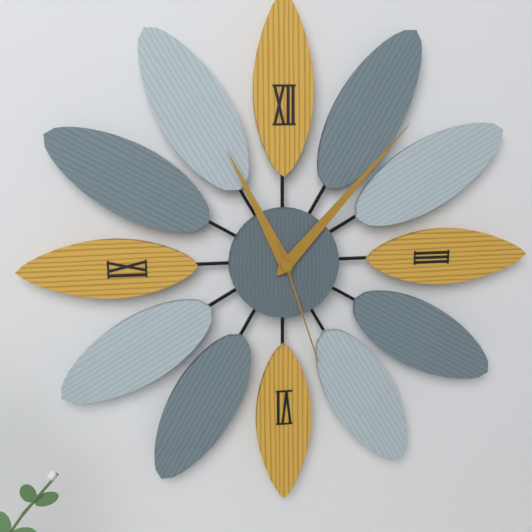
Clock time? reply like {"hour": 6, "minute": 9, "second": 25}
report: {"hour": 11, "minute": 7, "second": 27}
